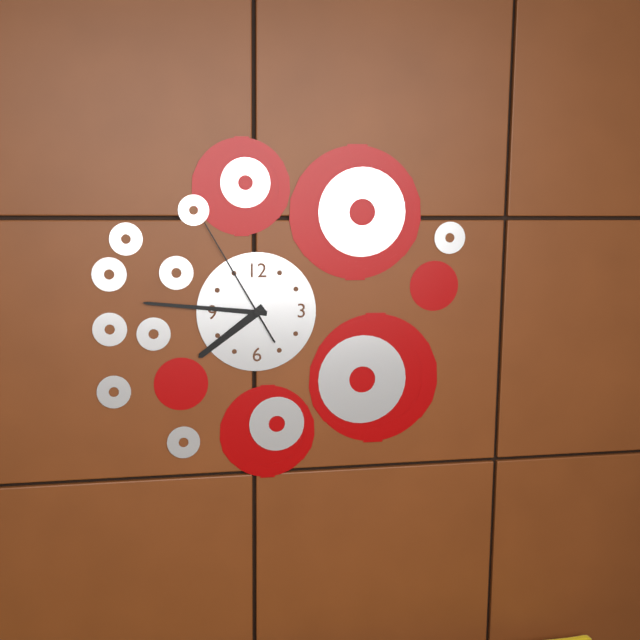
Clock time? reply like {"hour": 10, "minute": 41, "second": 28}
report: {"hour": 7, "minute": 46, "second": 55}
